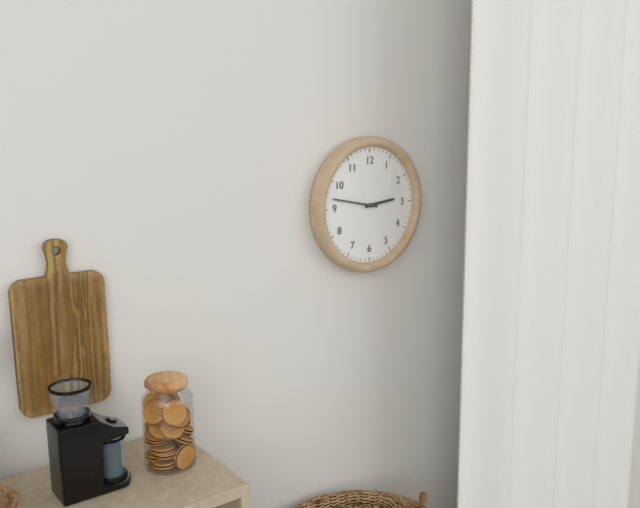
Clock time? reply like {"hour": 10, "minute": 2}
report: {"hour": 2, "minute": 47}
